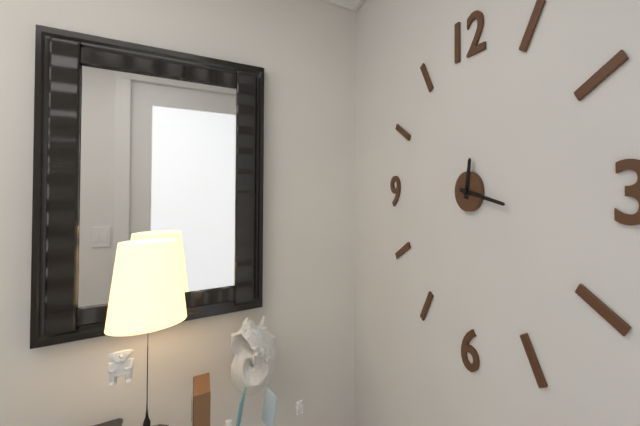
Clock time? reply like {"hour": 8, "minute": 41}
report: {"hour": 12, "minute": 17}
